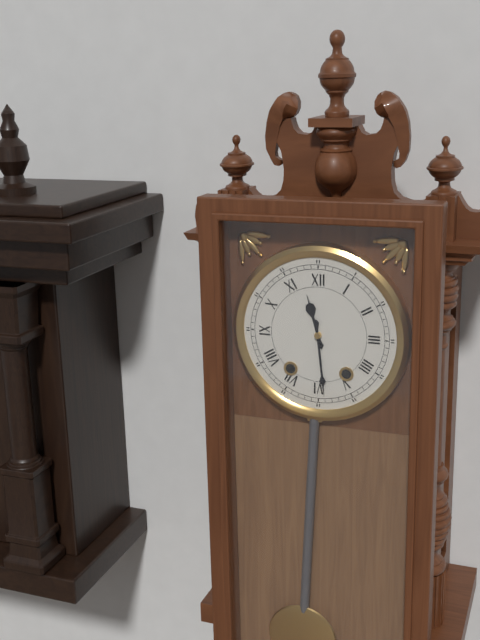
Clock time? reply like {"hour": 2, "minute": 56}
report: {"hour": 11, "minute": 29}
